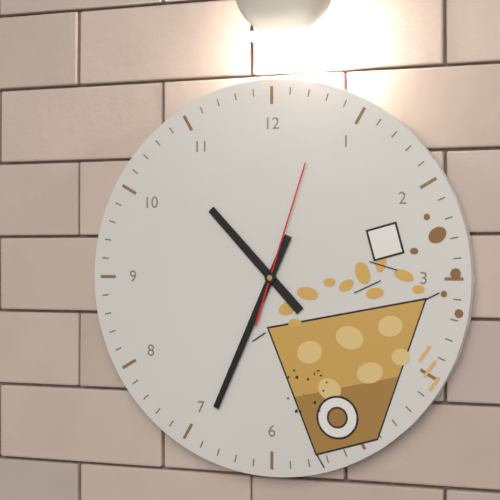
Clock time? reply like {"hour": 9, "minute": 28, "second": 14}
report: {"hour": 10, "minute": 34, "second": 3}
